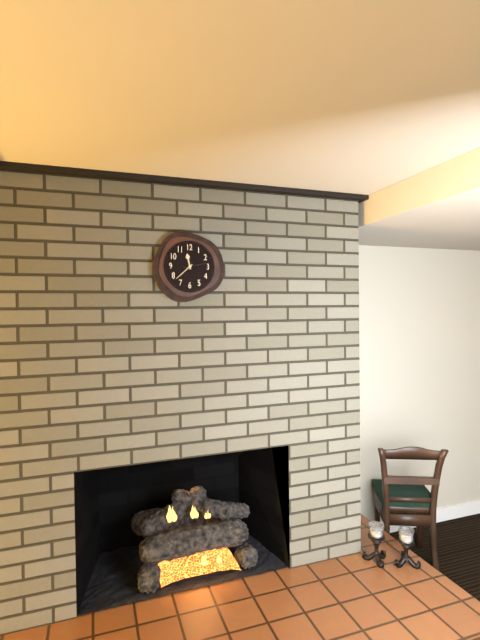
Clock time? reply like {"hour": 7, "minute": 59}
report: {"hour": 11, "minute": 38}
